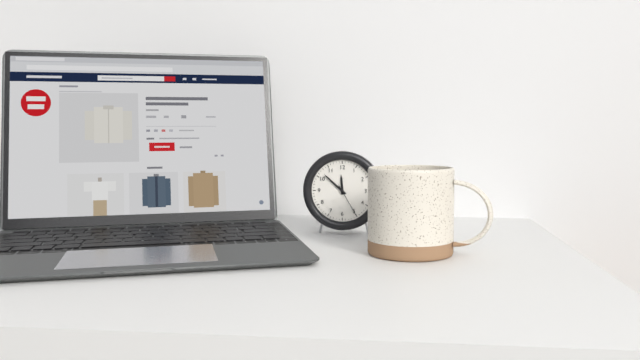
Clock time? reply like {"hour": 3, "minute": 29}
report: {"hour": 11, "minute": 52}
